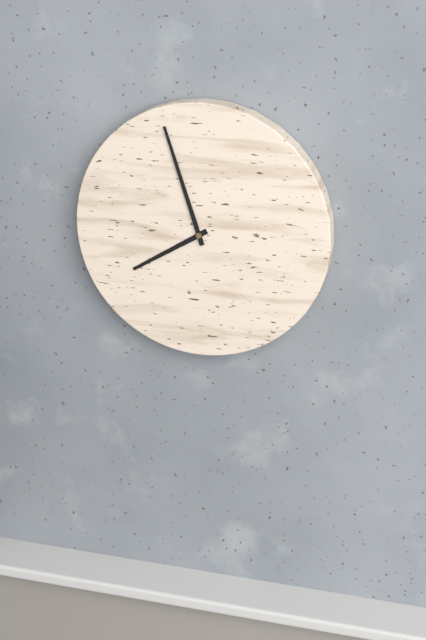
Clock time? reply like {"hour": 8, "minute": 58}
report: {"hour": 7, "minute": 57}
